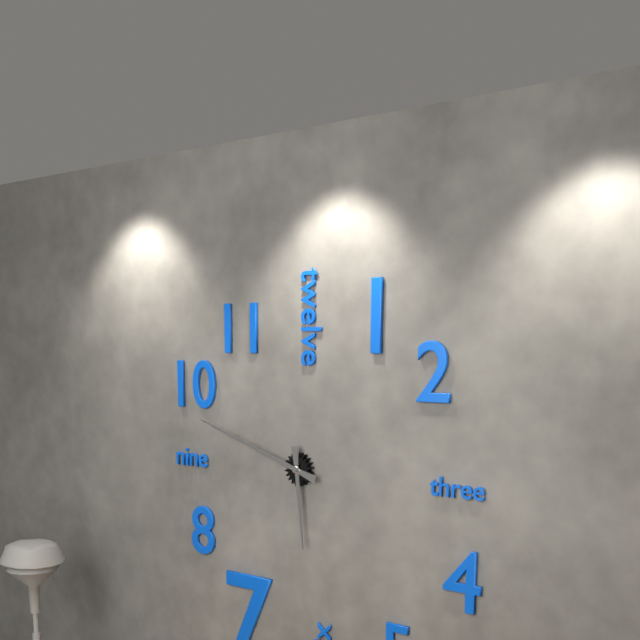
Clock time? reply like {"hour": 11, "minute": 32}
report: {"hour": 5, "minute": 48}
